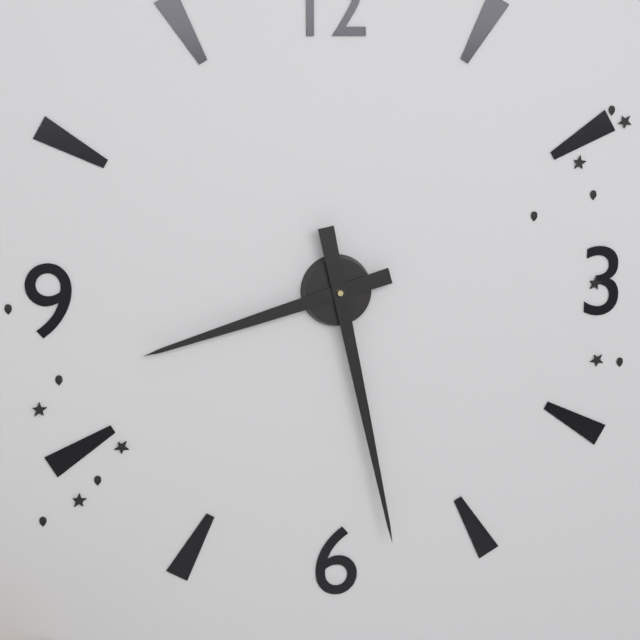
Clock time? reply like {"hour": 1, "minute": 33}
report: {"hour": 8, "minute": 28}
